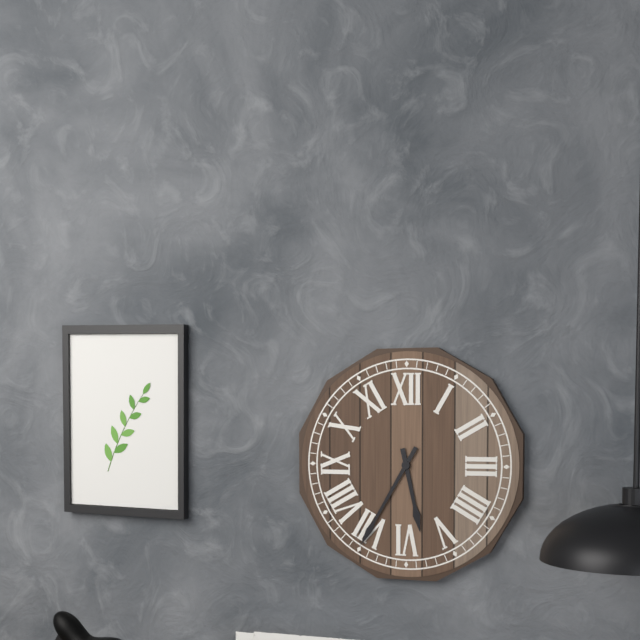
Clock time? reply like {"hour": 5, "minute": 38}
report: {"hour": 5, "minute": 35}
